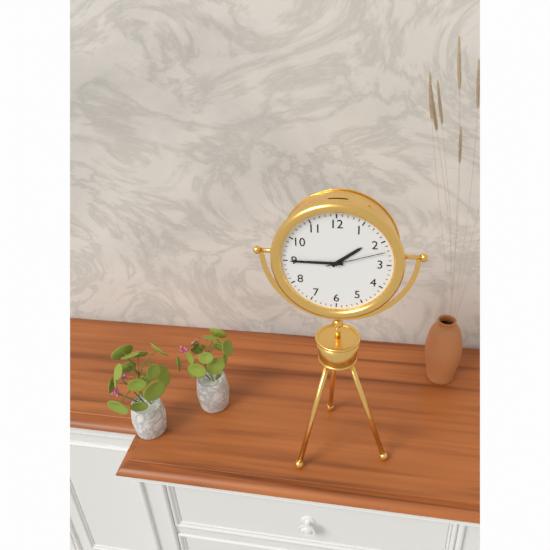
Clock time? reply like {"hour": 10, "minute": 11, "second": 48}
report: {"hour": 1, "minute": 45, "second": 12}
